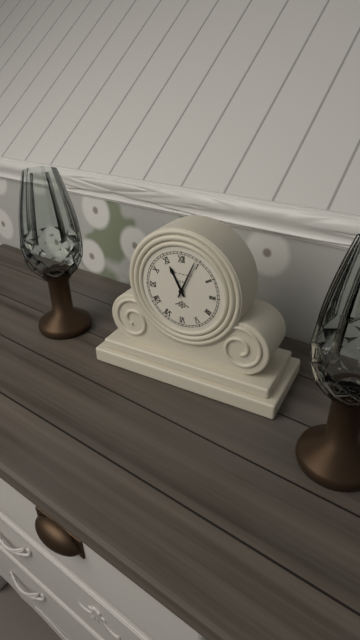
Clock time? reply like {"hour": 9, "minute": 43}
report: {"hour": 11, "minute": 4}
